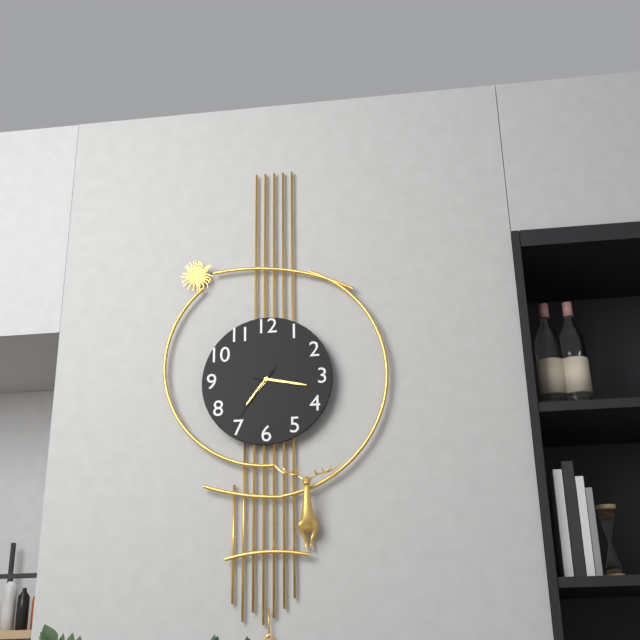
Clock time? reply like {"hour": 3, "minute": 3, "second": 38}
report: {"hour": 7, "minute": 17, "second": 36}
